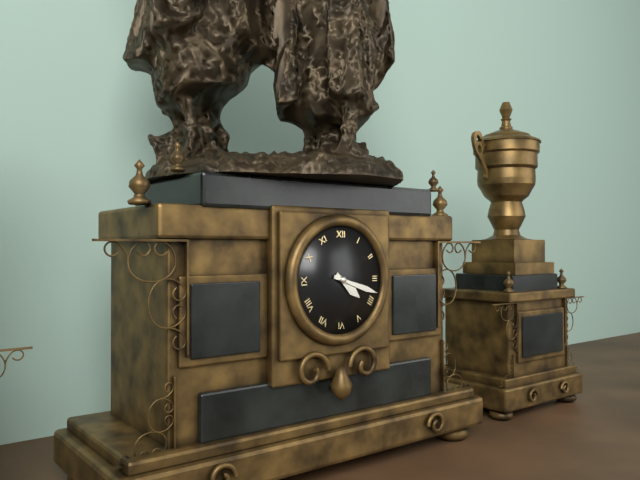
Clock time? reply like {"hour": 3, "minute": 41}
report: {"hour": 4, "minute": 18}
